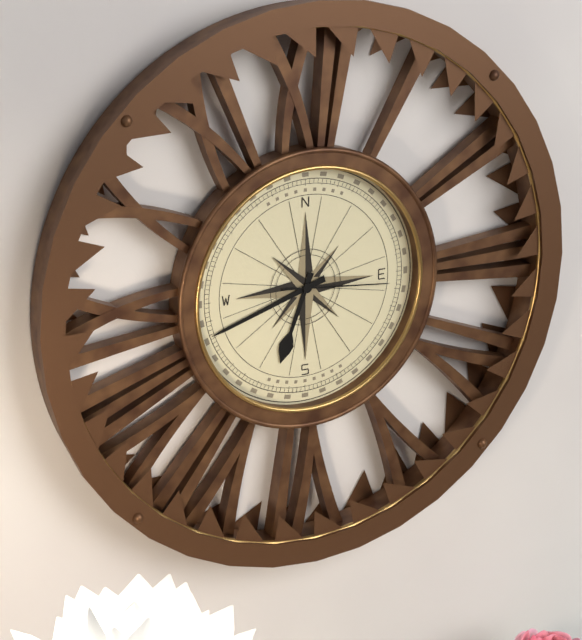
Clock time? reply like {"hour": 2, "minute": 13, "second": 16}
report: {"hour": 6, "minute": 42, "second": 16}
